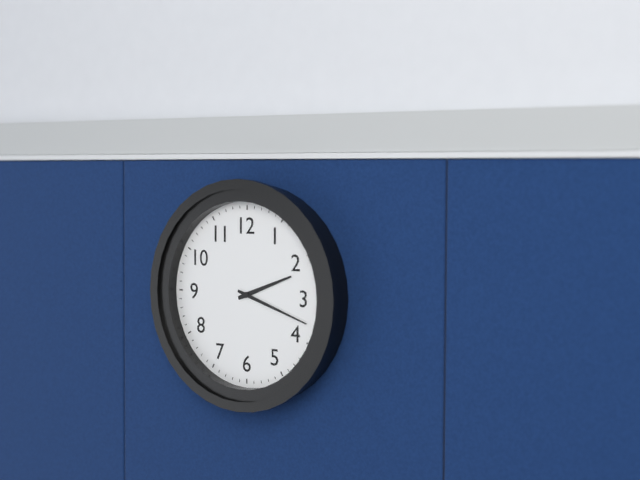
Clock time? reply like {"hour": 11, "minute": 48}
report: {"hour": 2, "minute": 18}
